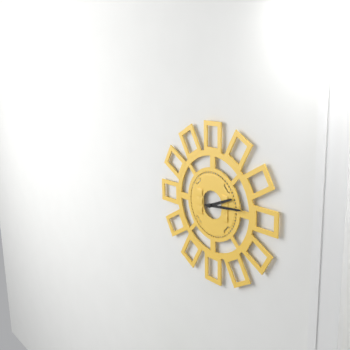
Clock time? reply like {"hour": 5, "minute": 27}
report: {"hour": 2, "minute": 14}
